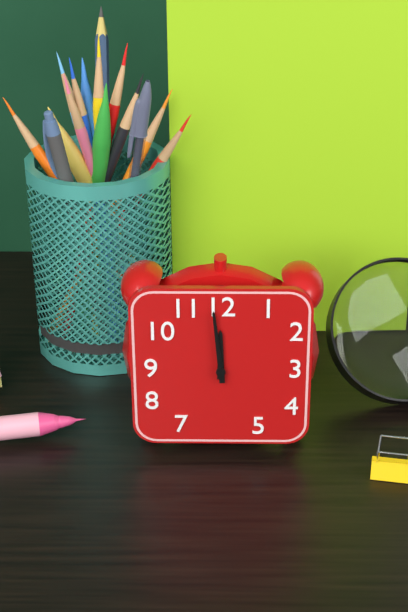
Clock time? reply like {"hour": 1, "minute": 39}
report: {"hour": 11, "minute": 59}
